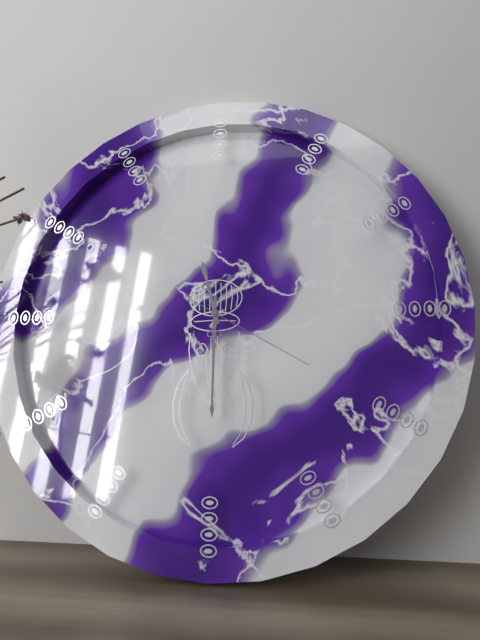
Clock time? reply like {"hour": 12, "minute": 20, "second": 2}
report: {"hour": 11, "minute": 30, "second": 20}
